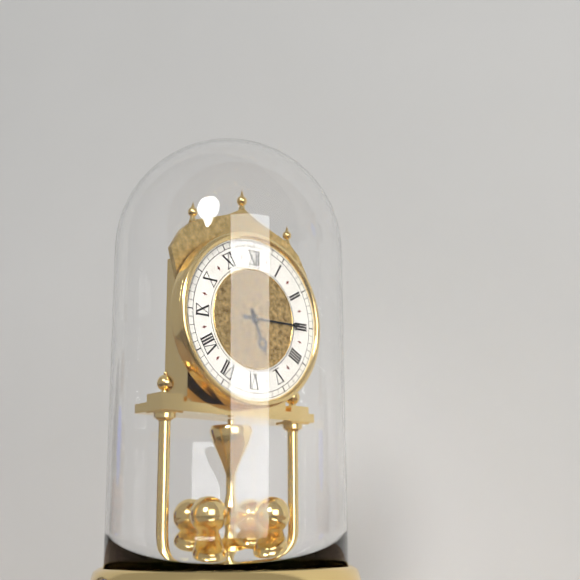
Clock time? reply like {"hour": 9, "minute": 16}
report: {"hour": 5, "minute": 15}
